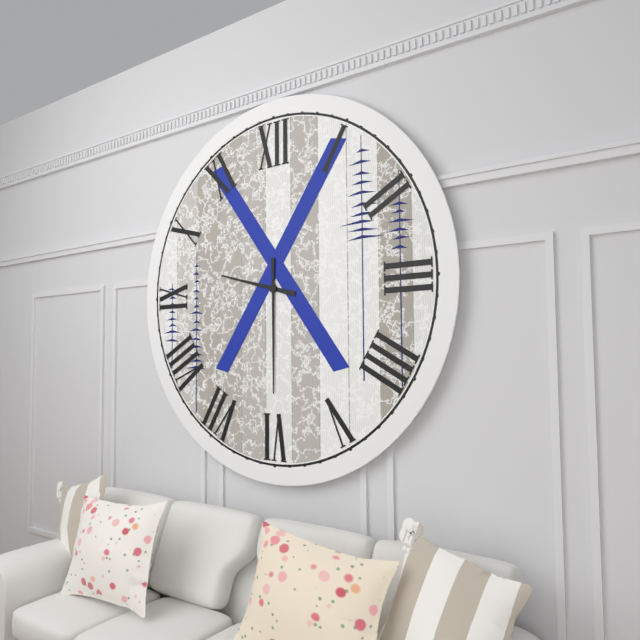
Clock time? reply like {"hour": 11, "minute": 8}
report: {"hour": 9, "minute": 30}
